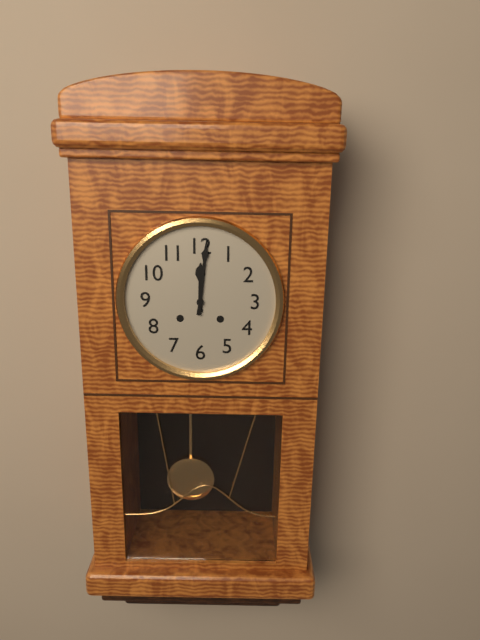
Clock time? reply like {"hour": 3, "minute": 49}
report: {"hour": 12, "minute": 1}
